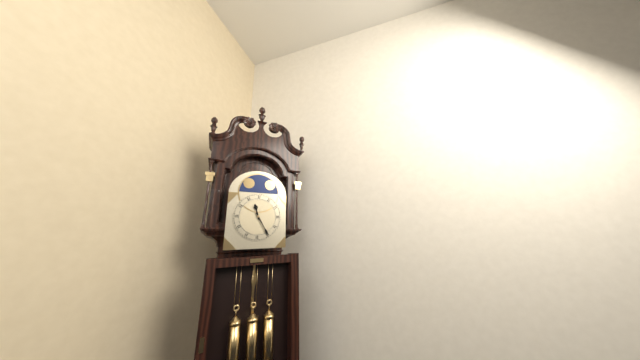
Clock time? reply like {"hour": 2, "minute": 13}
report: {"hour": 11, "minute": 25}
